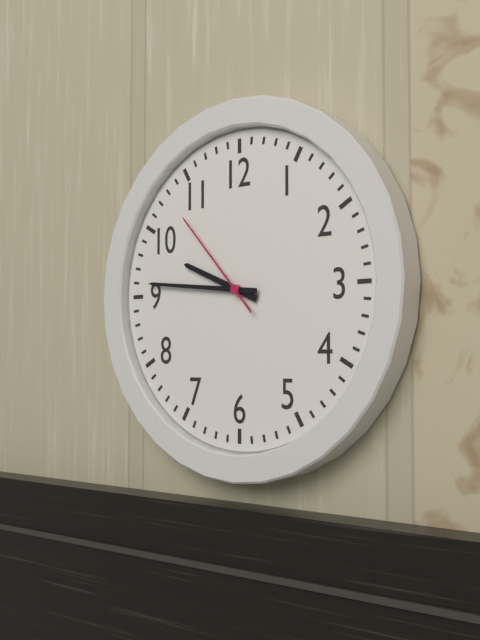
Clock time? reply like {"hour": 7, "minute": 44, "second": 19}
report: {"hour": 9, "minute": 46, "second": 53}
